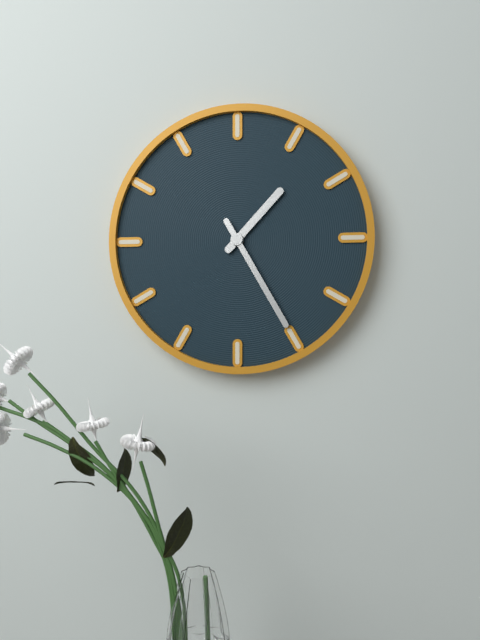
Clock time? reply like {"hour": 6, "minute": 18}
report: {"hour": 1, "minute": 25}
